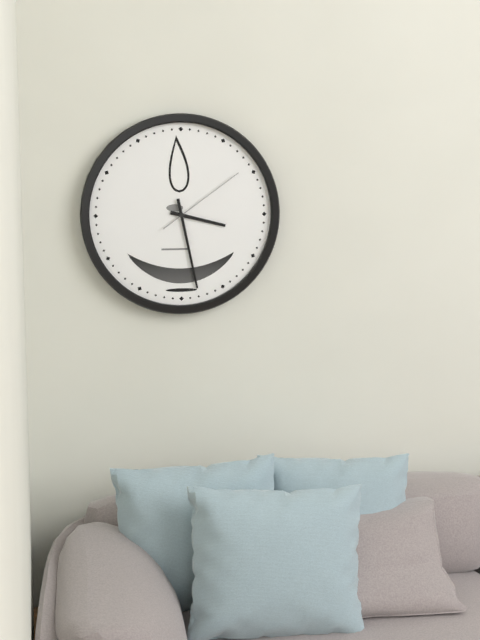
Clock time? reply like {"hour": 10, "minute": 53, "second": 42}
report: {"hour": 3, "minute": 28, "second": 9}
